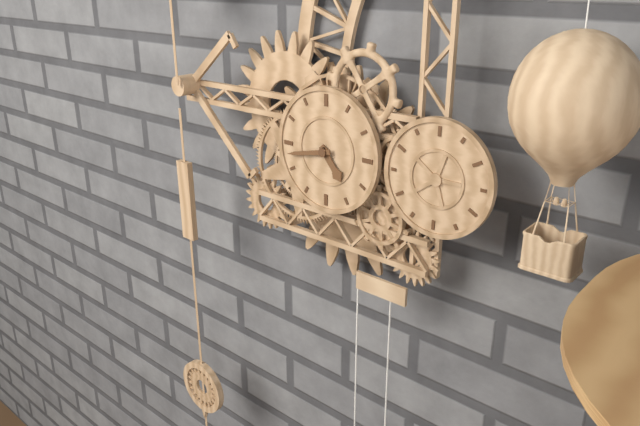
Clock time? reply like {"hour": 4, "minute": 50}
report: {"hour": 4, "minute": 43}
